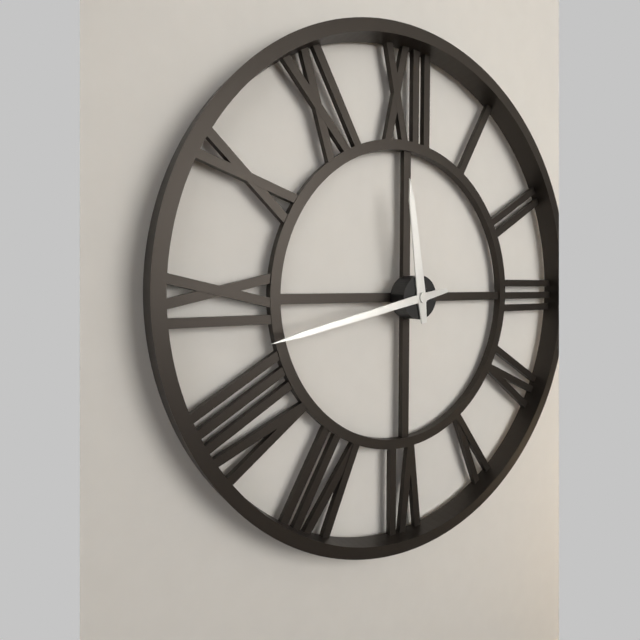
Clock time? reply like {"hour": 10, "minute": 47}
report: {"hour": 11, "minute": 43}
